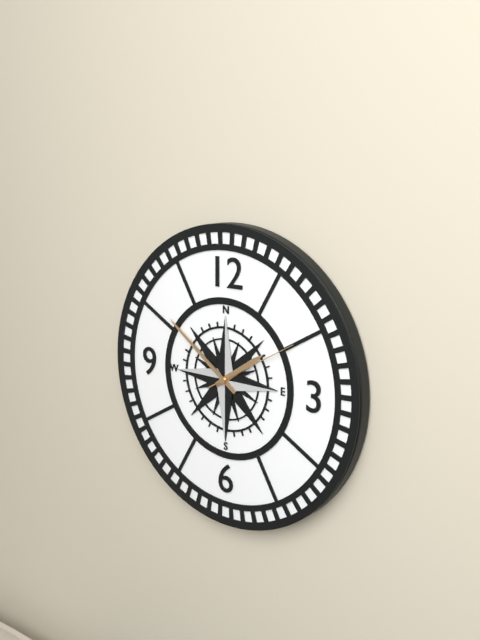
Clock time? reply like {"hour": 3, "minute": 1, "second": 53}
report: {"hour": 1, "minute": 51, "second": 10}
